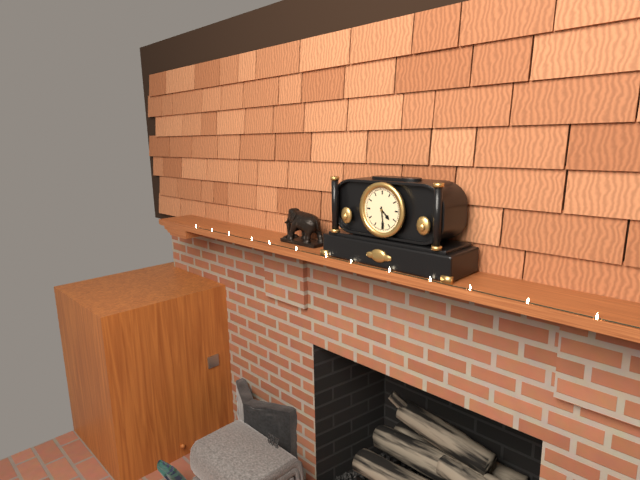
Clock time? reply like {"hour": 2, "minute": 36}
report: {"hour": 4, "minute": 29}
